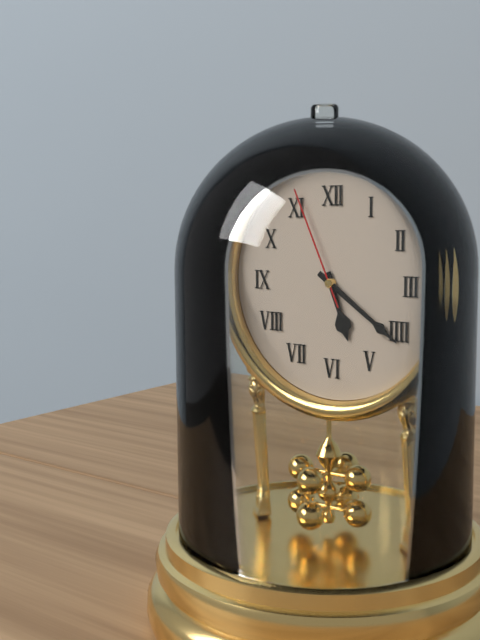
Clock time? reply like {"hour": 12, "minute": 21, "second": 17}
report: {"hour": 5, "minute": 21, "second": 56}
